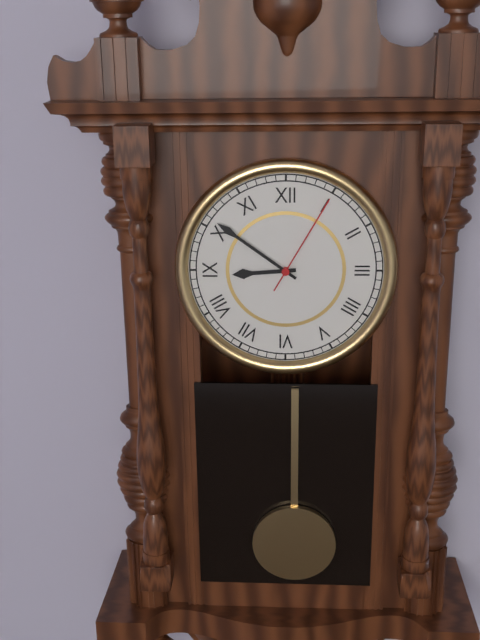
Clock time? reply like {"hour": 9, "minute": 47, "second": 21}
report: {"hour": 8, "minute": 51, "second": 5}
